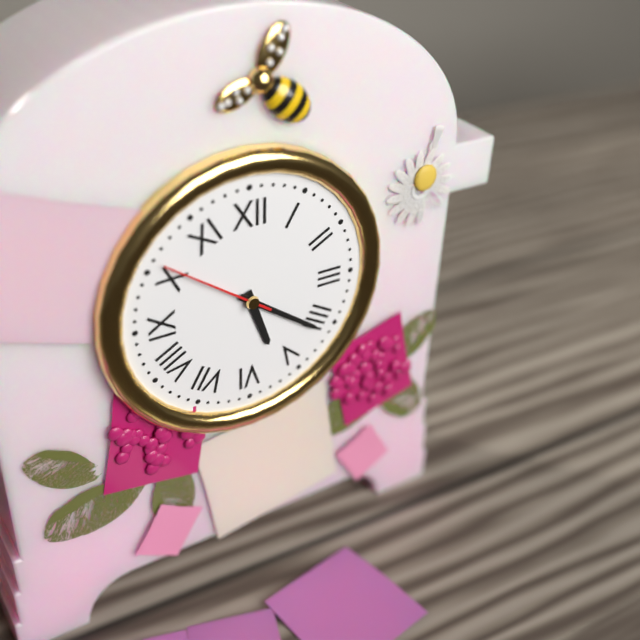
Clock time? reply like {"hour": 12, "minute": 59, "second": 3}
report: {"hour": 5, "minute": 21, "second": 51}
